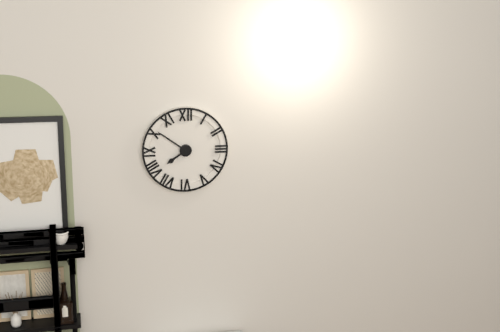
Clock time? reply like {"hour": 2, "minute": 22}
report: {"hour": 7, "minute": 51}
